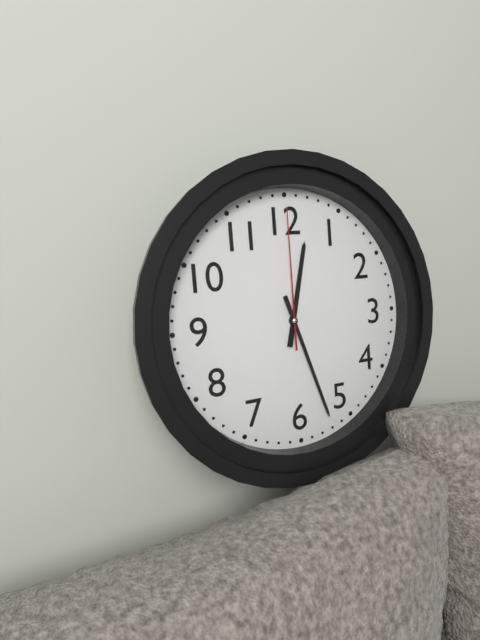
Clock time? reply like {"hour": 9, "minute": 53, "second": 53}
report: {"hour": 12, "minute": 27, "second": 0}
